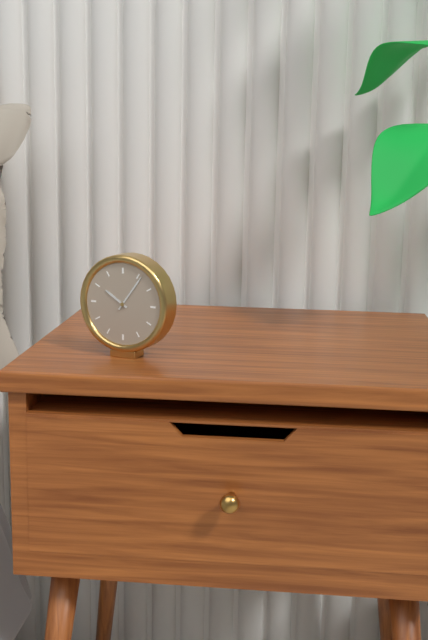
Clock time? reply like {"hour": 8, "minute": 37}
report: {"hour": 10, "minute": 6}
